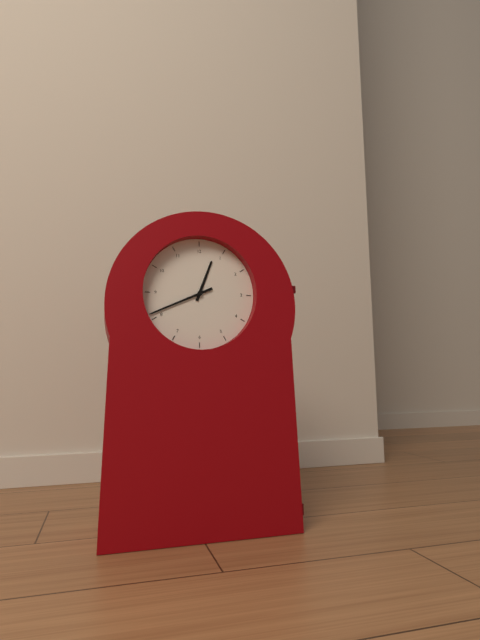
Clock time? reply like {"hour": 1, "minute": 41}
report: {"hour": 12, "minute": 41}
